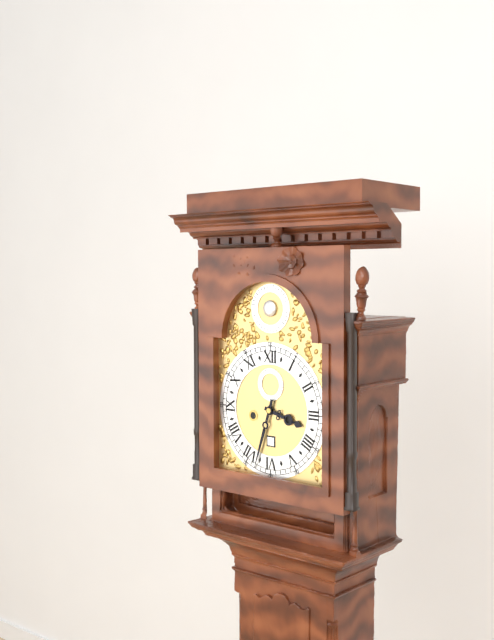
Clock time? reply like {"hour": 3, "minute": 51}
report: {"hour": 3, "minute": 33}
